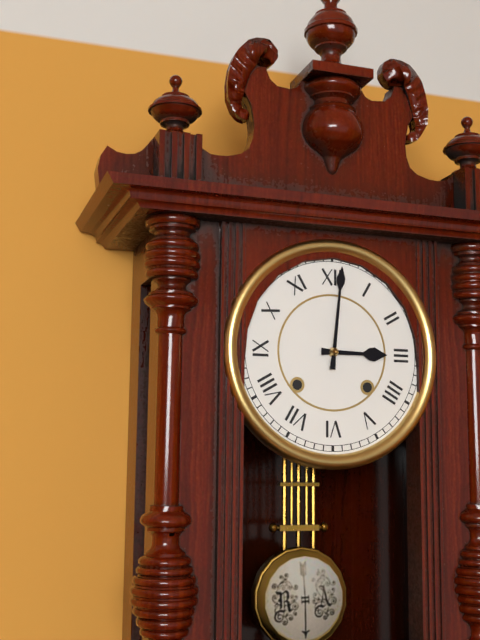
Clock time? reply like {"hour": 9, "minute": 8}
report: {"hour": 3, "minute": 1}
